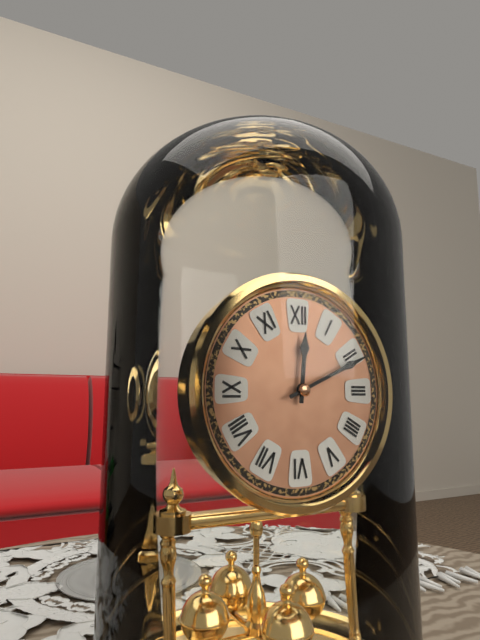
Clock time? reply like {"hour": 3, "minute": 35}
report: {"hour": 12, "minute": 11}
